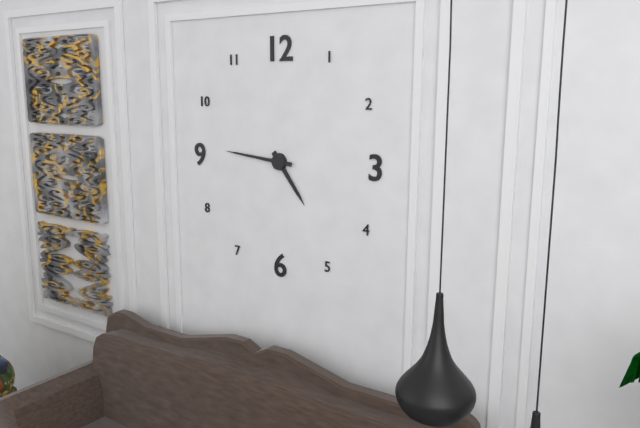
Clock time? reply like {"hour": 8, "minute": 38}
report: {"hour": 4, "minute": 46}
